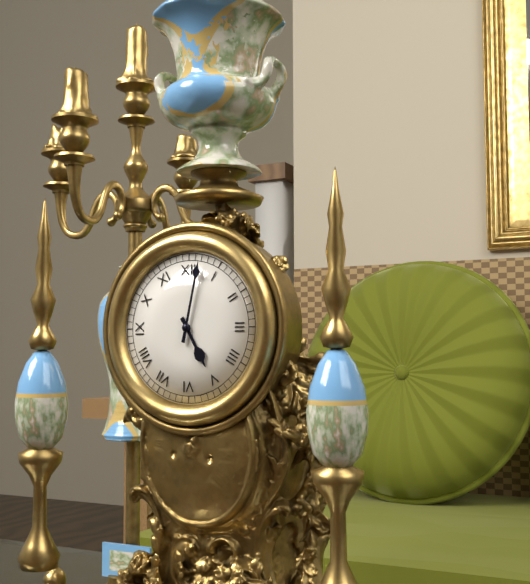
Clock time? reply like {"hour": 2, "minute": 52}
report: {"hour": 5, "minute": 2}
